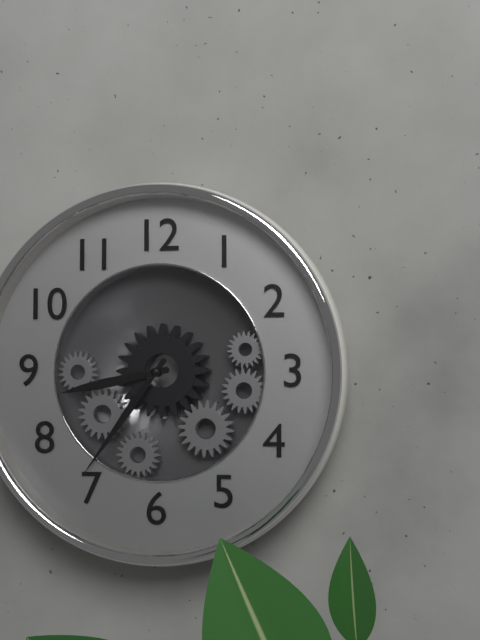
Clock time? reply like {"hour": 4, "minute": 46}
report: {"hour": 8, "minute": 36}
